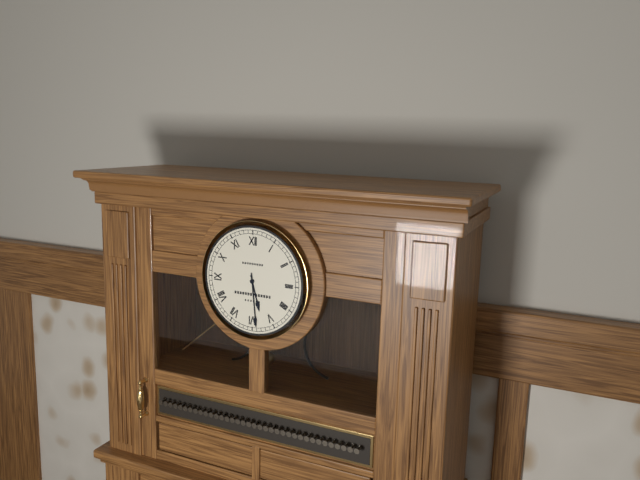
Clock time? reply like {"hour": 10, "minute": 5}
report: {"hour": 5, "minute": 29}
